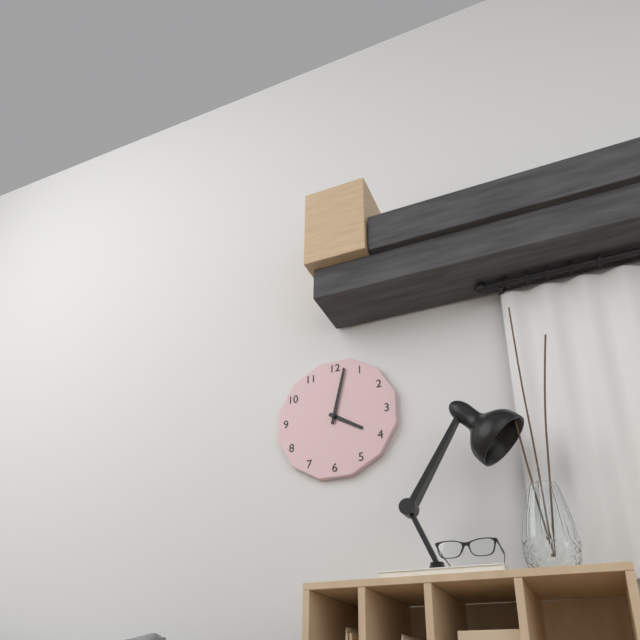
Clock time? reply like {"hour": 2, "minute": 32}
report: {"hour": 4, "minute": 2}
